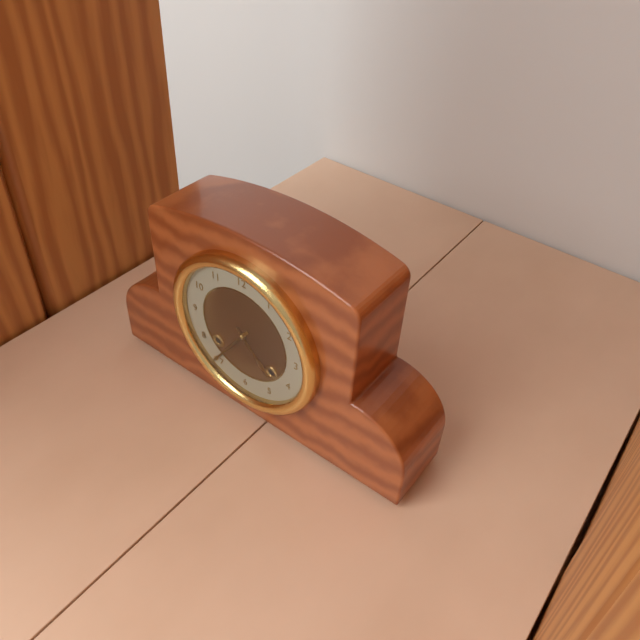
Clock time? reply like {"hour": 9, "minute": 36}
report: {"hour": 4, "minute": 36}
